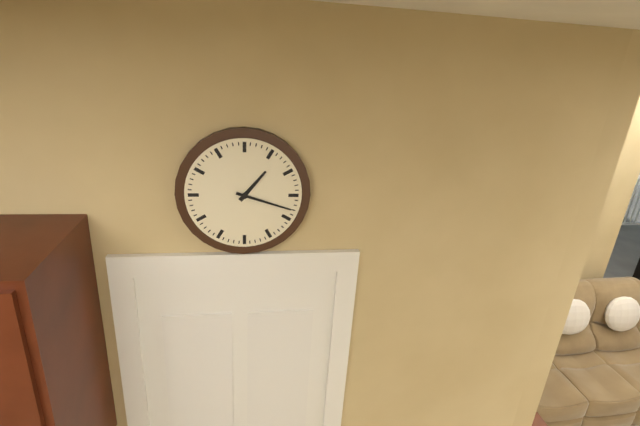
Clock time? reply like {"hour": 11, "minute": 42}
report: {"hour": 1, "minute": 18}
